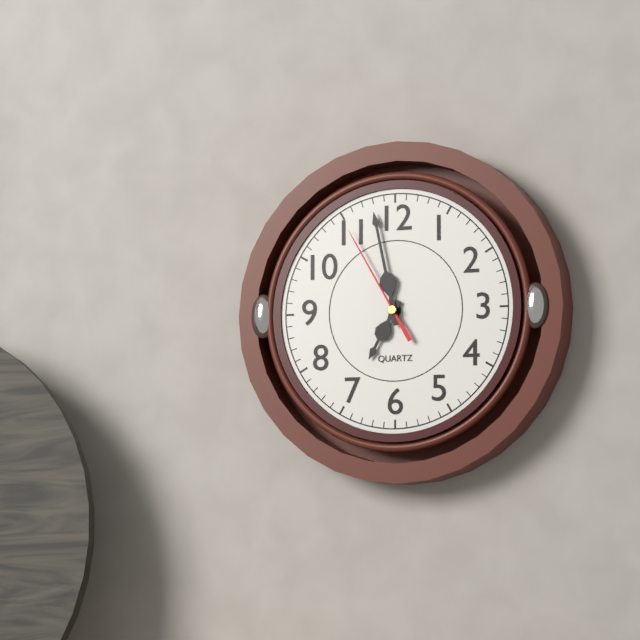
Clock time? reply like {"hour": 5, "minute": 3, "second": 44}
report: {"hour": 6, "minute": 58, "second": 55}
